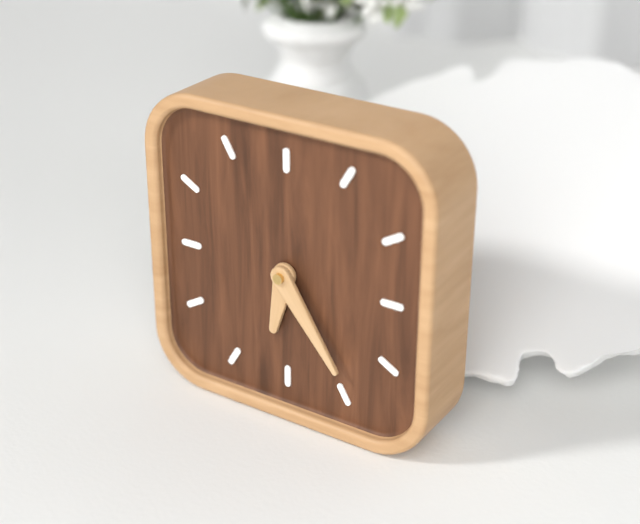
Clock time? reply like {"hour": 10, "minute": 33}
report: {"hour": 6, "minute": 24}
